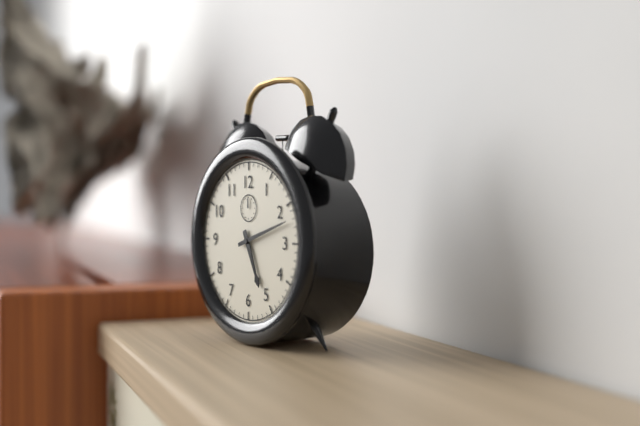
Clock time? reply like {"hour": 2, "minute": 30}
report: {"hour": 5, "minute": 12}
